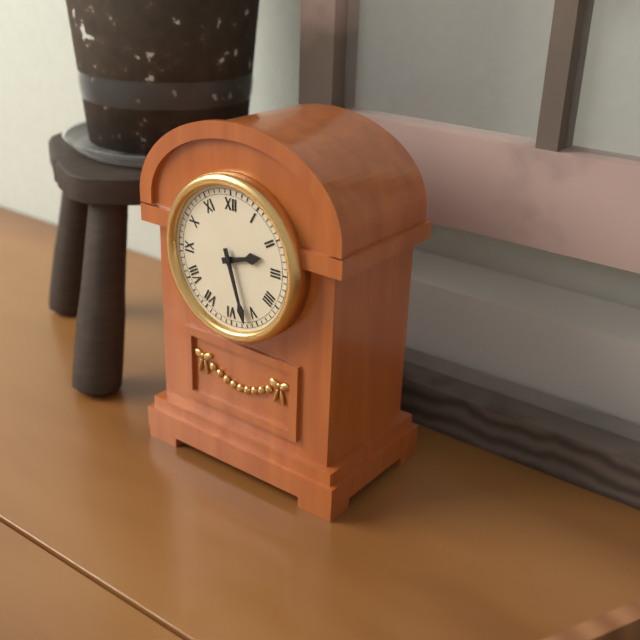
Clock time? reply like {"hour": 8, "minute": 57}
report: {"hour": 2, "minute": 27}
